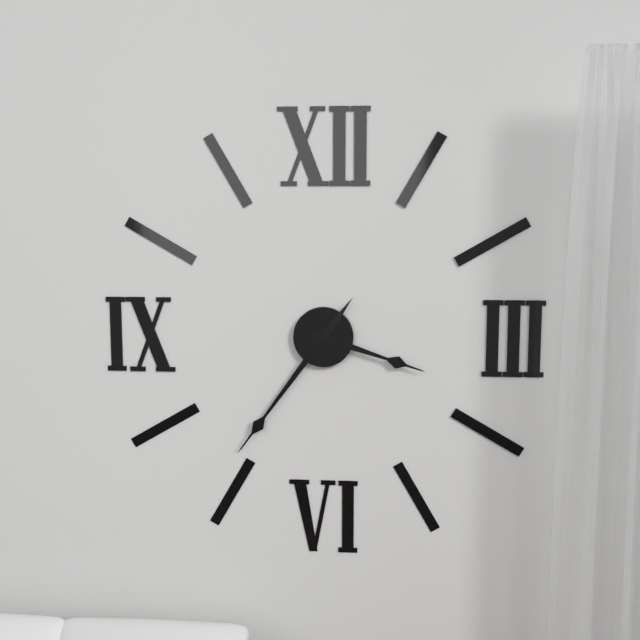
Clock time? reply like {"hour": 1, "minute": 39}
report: {"hour": 3, "minute": 36}
